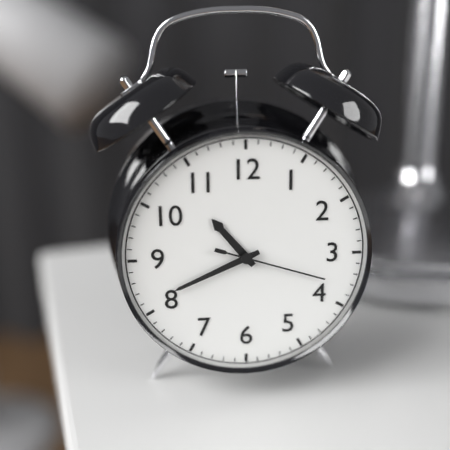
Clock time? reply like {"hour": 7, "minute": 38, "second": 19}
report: {"hour": 10, "minute": 41, "second": 18}
